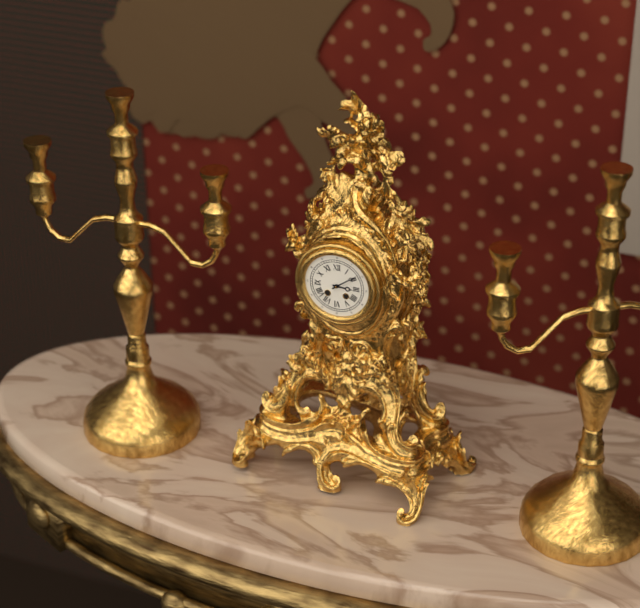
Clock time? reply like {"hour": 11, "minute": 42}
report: {"hour": 3, "minute": 9}
